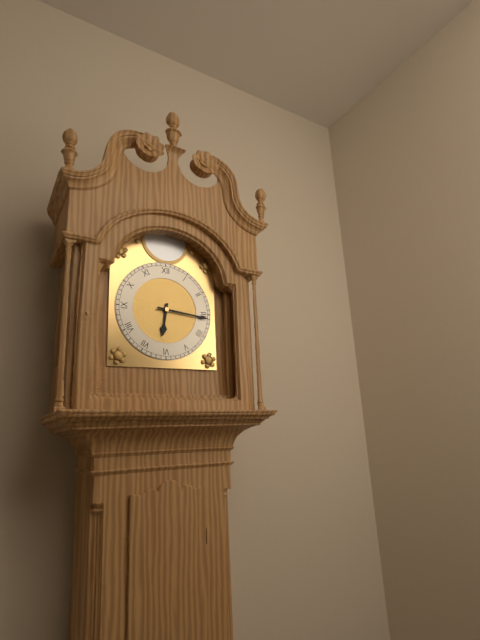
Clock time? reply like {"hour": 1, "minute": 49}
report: {"hour": 6, "minute": 16}
